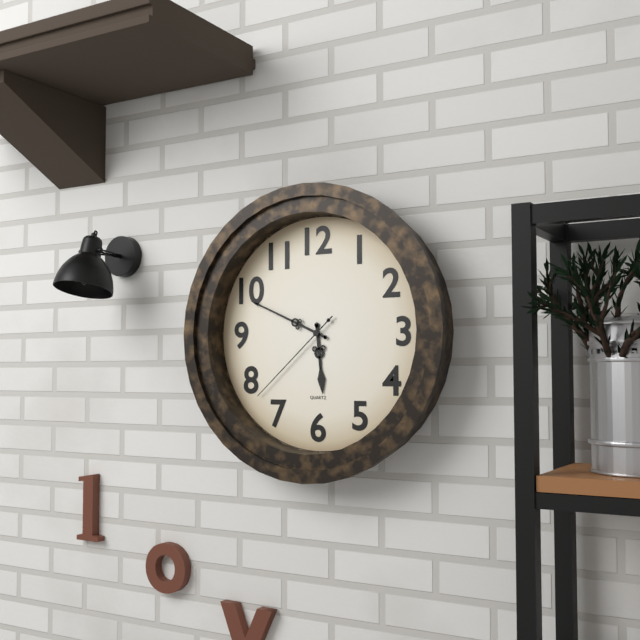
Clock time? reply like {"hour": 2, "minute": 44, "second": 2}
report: {"hour": 5, "minute": 49, "second": 38}
